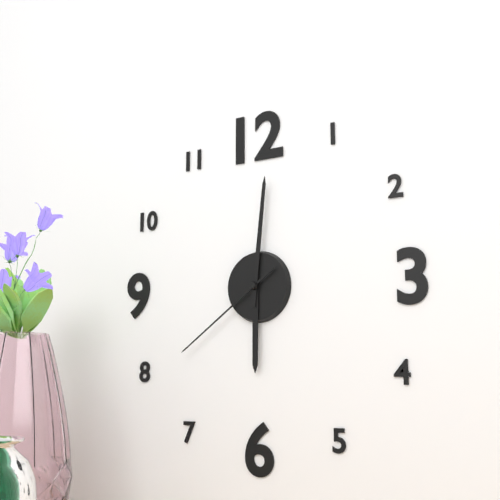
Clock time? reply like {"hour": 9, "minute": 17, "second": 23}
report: {"hour": 6, "minute": 1, "second": 39}
